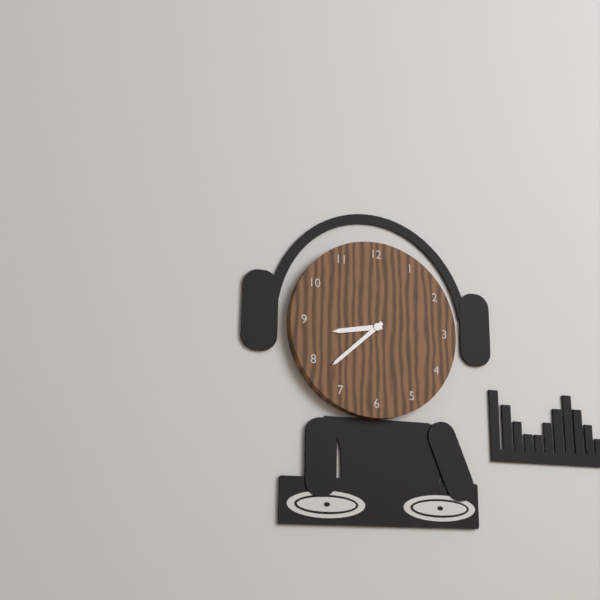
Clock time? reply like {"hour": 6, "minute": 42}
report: {"hour": 8, "minute": 38}
